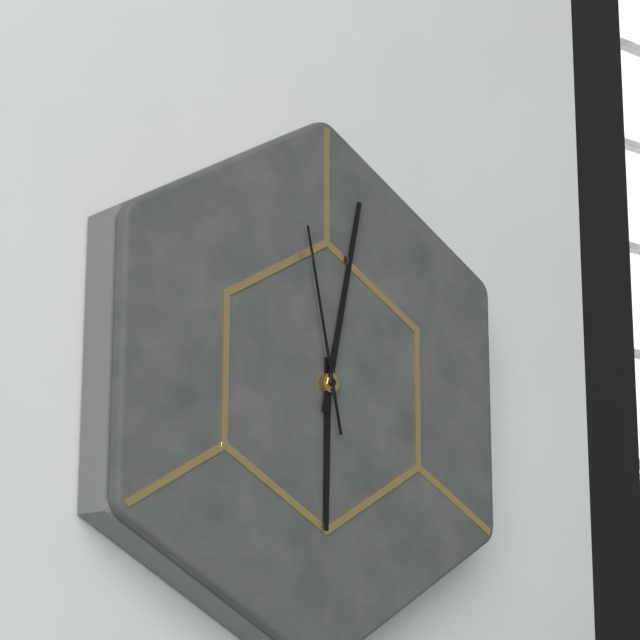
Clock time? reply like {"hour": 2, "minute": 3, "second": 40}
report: {"hour": 6, "minute": 2, "second": 58}
